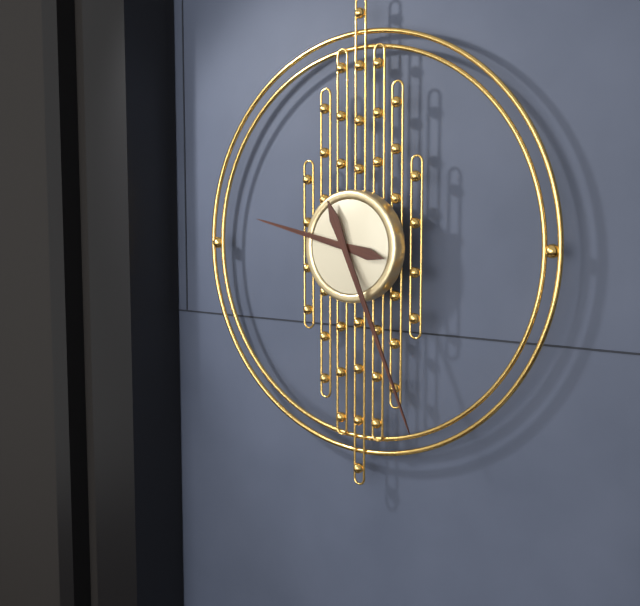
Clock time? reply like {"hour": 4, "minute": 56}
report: {"hour": 9, "minute": 26}
